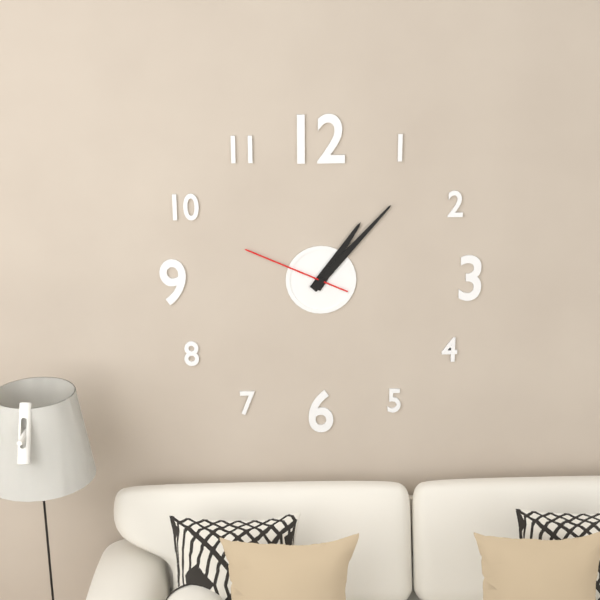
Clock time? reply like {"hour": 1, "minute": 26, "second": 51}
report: {"hour": 1, "minute": 7, "second": 49}
